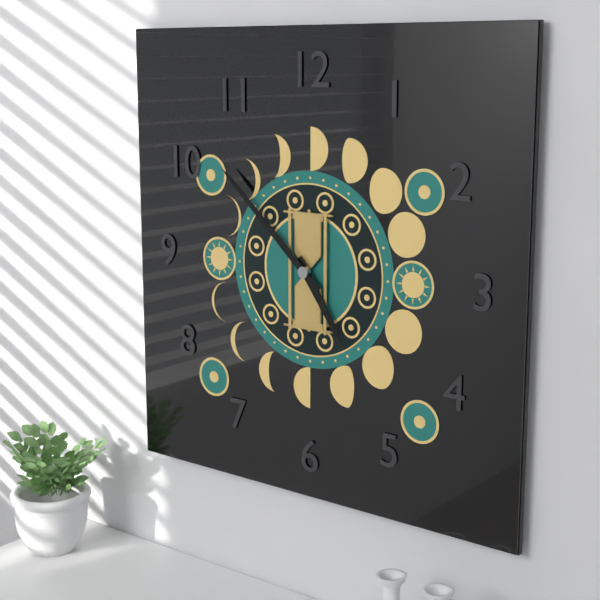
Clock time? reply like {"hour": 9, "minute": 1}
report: {"hour": 4, "minute": 52}
